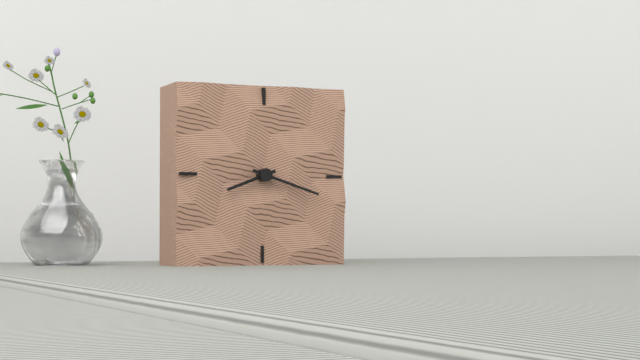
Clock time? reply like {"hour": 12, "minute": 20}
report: {"hour": 8, "minute": 18}
